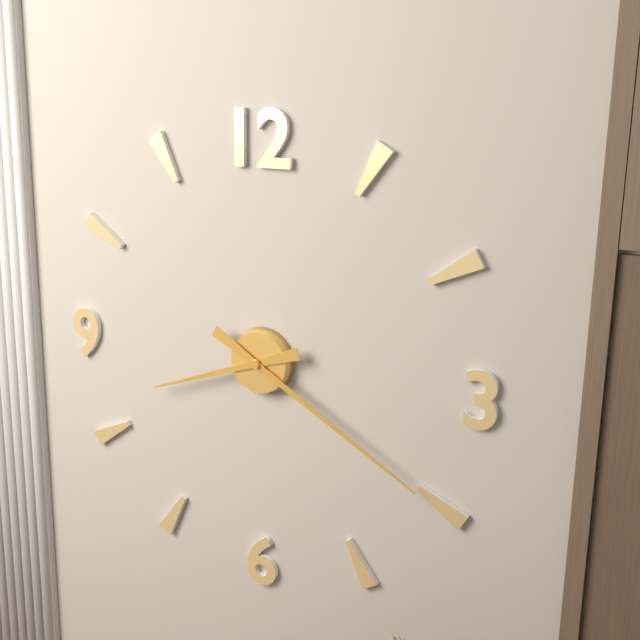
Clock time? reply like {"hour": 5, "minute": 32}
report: {"hour": 8, "minute": 20}
